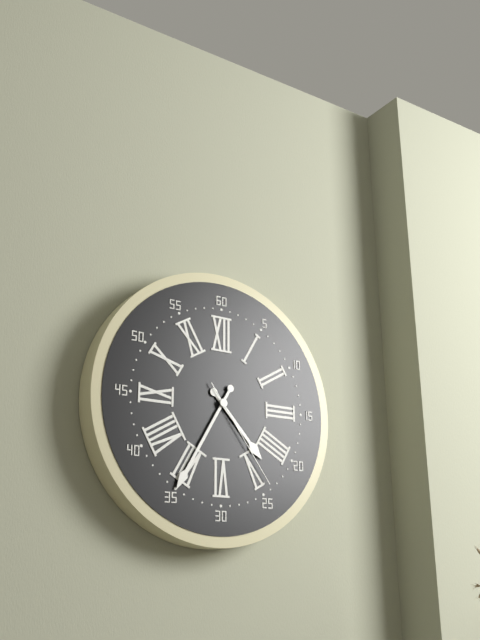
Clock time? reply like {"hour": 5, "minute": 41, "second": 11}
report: {"hour": 4, "minute": 35, "second": 24}
